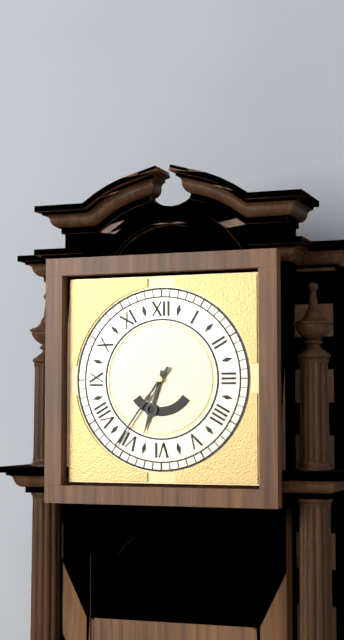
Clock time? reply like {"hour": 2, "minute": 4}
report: {"hour": 6, "minute": 36}
